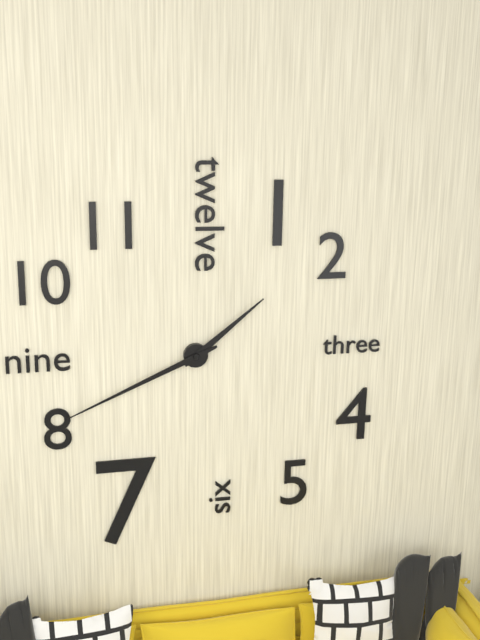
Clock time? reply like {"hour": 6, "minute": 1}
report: {"hour": 1, "minute": 41}
